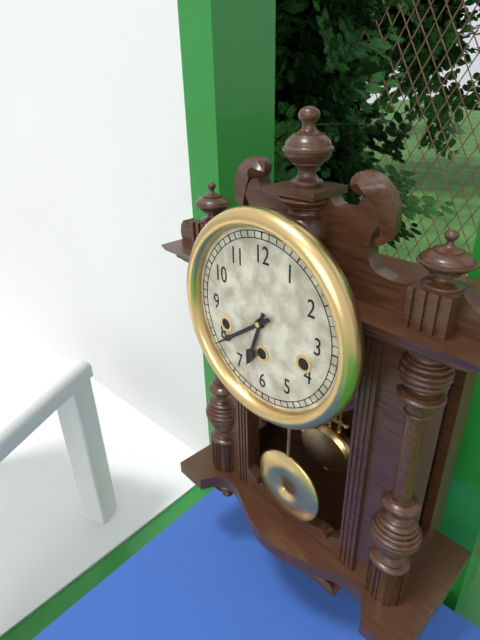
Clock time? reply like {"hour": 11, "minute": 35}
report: {"hour": 6, "minute": 39}
